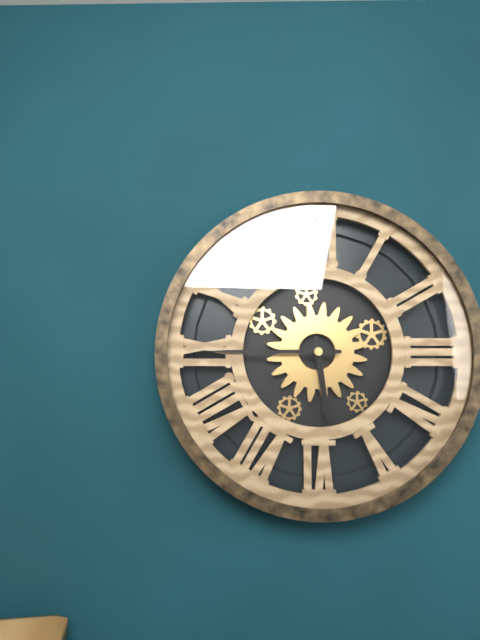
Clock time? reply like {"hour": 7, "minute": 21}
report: {"hour": 5, "minute": 45}
